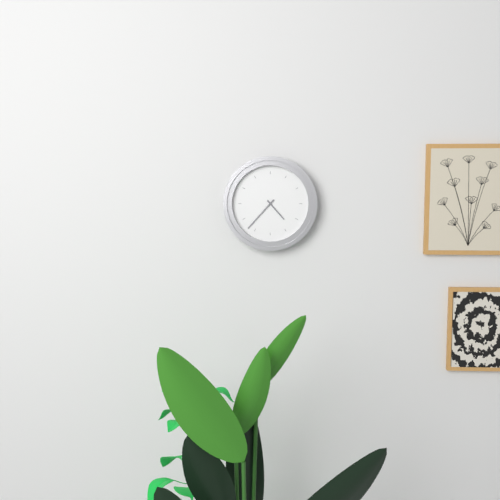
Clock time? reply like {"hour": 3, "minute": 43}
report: {"hour": 4, "minute": 37}
